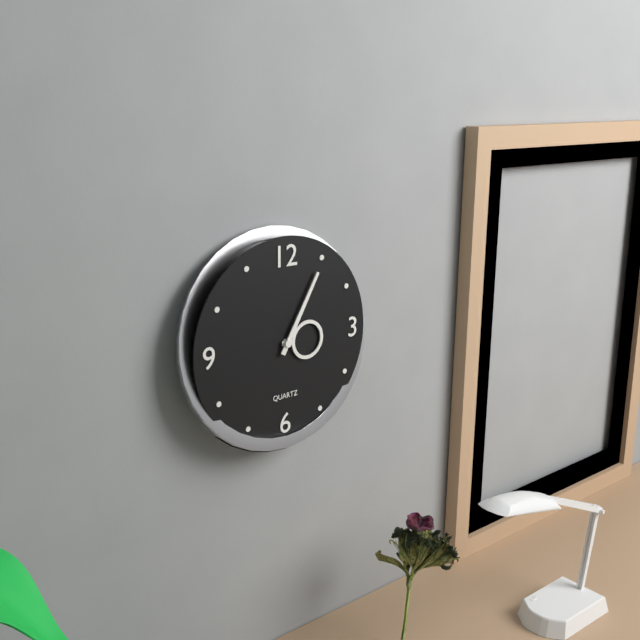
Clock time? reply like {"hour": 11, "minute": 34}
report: {"hour": 3, "minute": 5}
